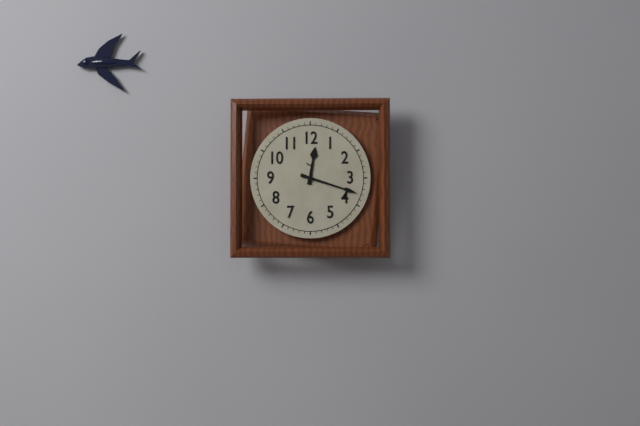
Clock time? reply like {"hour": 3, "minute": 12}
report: {"hour": 12, "minute": 18}
